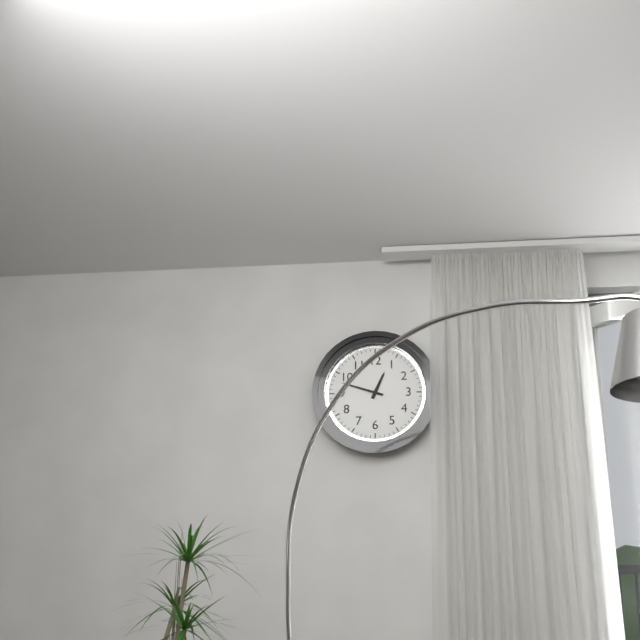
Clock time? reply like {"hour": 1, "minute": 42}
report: {"hour": 12, "minute": 48}
